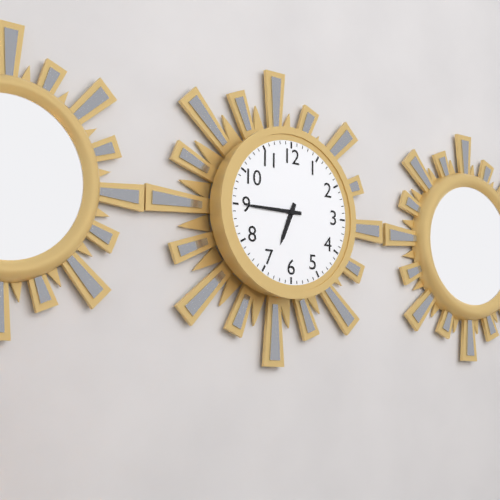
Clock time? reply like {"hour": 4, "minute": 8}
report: {"hour": 6, "minute": 45}
